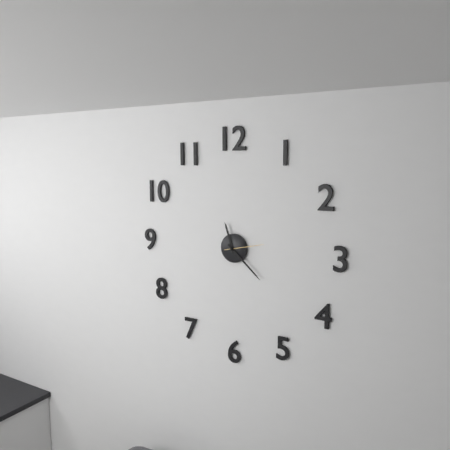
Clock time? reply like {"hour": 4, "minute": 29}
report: {"hour": 11, "minute": 22}
